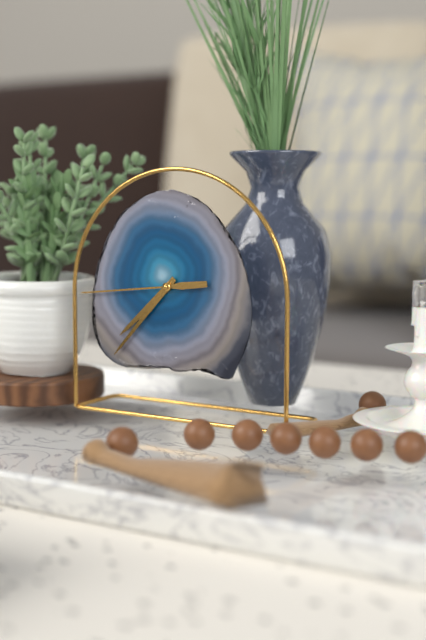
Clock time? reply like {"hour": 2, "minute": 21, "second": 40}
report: {"hour": 7, "minute": 37, "second": 44}
